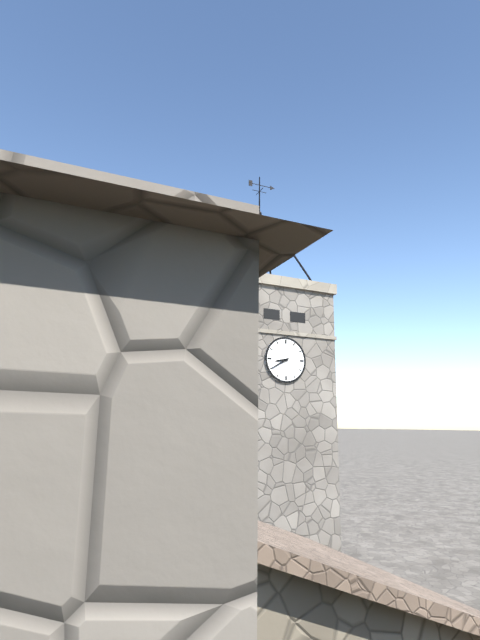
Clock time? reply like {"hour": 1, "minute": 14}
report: {"hour": 8, "minute": 40}
